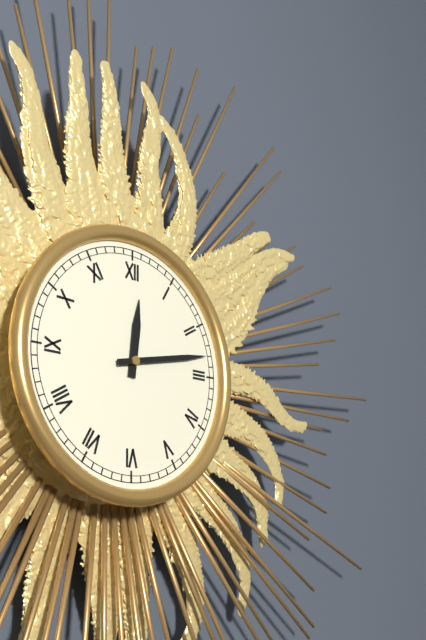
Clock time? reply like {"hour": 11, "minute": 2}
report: {"hour": 12, "minute": 13}
